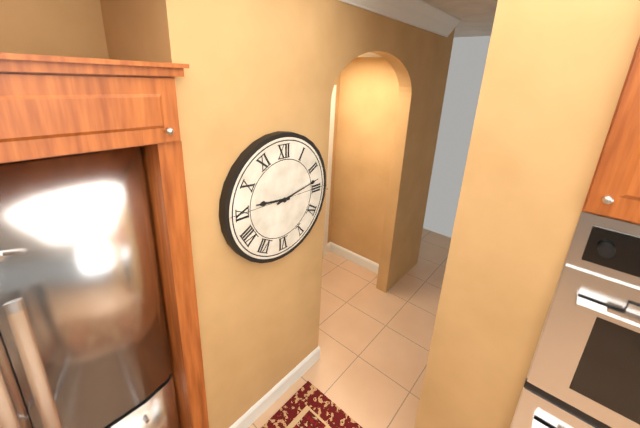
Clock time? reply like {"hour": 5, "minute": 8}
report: {"hour": 9, "minute": 13}
